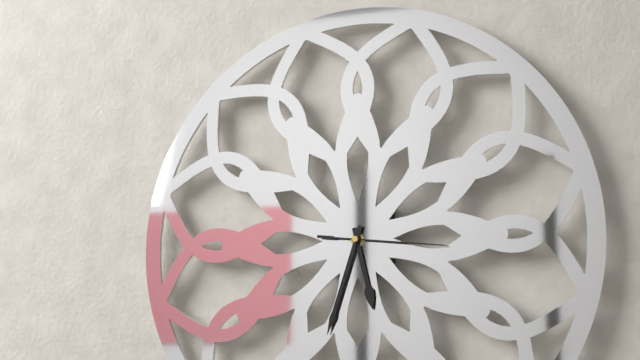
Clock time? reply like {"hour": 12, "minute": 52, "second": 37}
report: {"hour": 5, "minute": 33, "second": 16}
